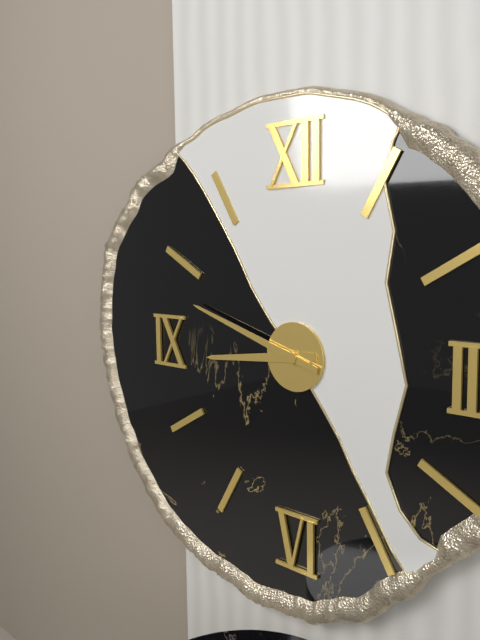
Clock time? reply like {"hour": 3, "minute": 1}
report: {"hour": 8, "minute": 48}
